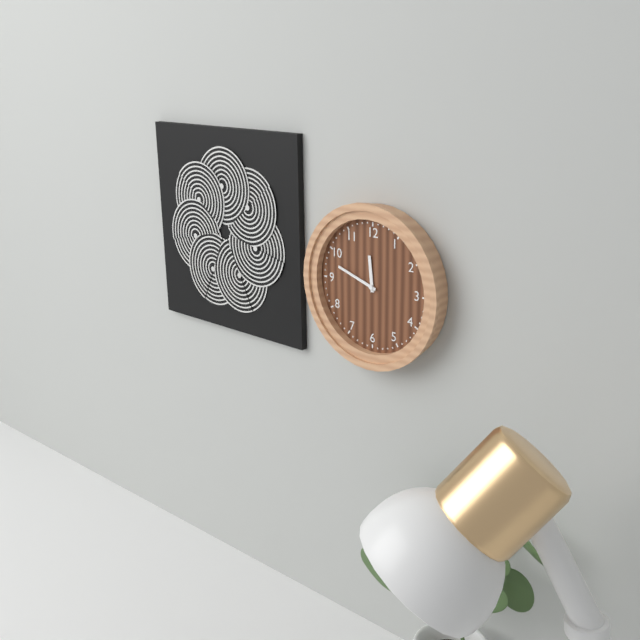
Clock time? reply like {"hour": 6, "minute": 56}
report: {"hour": 11, "minute": 48}
